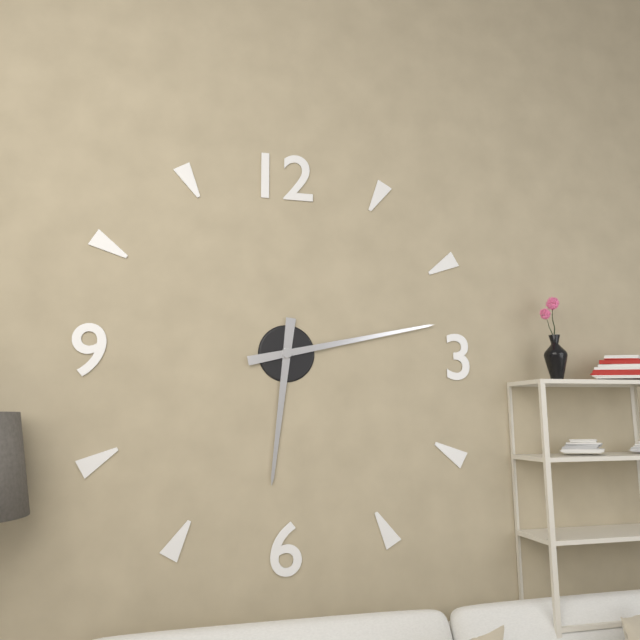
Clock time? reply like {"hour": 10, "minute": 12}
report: {"hour": 6, "minute": 13}
